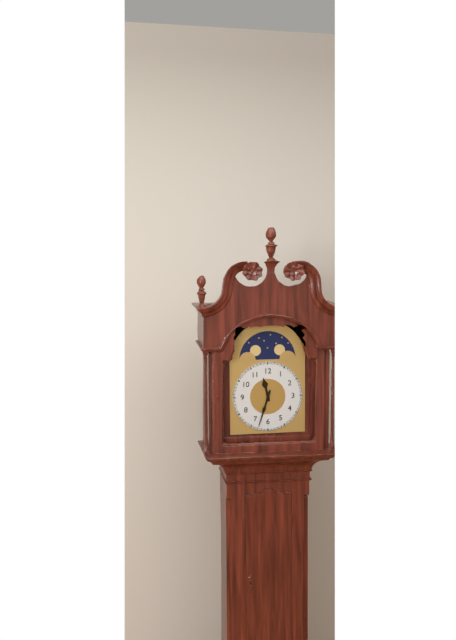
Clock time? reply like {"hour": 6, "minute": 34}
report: {"hour": 11, "minute": 33}
